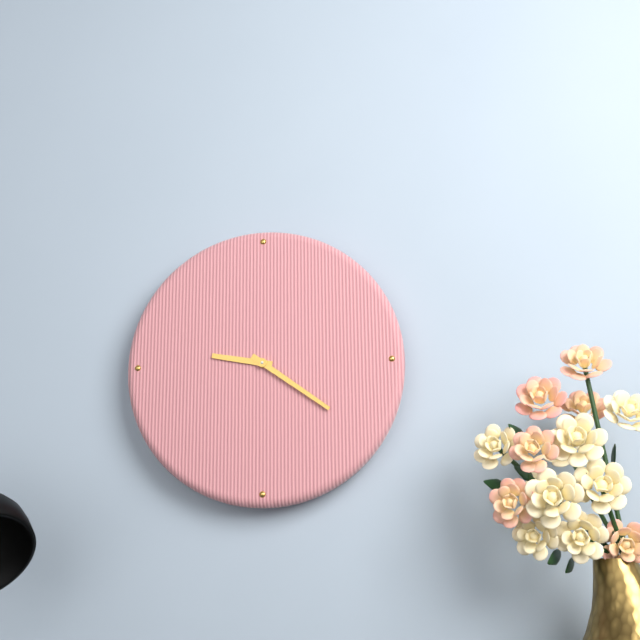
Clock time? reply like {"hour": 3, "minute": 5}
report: {"hour": 9, "minute": 21}
